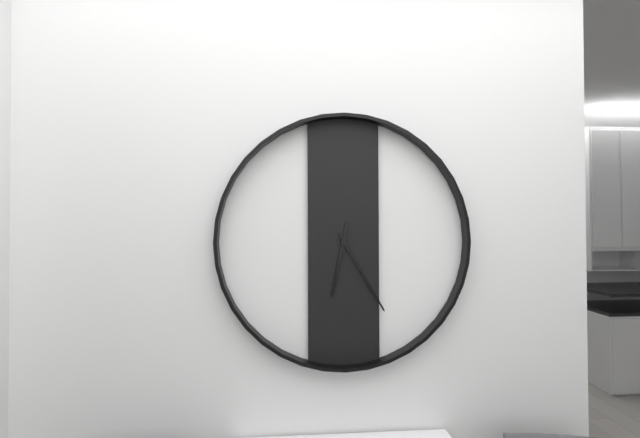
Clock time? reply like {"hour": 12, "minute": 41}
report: {"hour": 6, "minute": 25}
